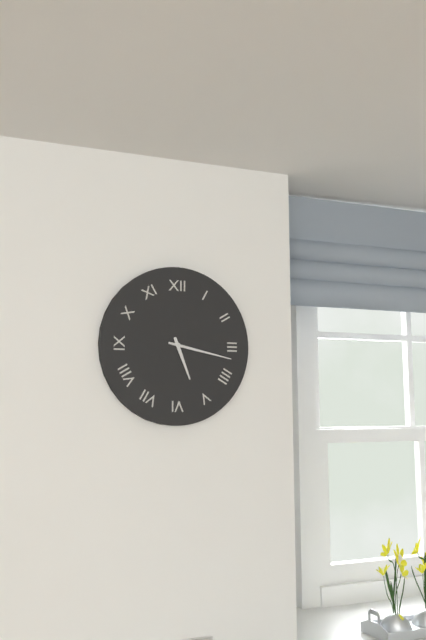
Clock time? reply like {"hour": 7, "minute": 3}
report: {"hour": 5, "minute": 17}
